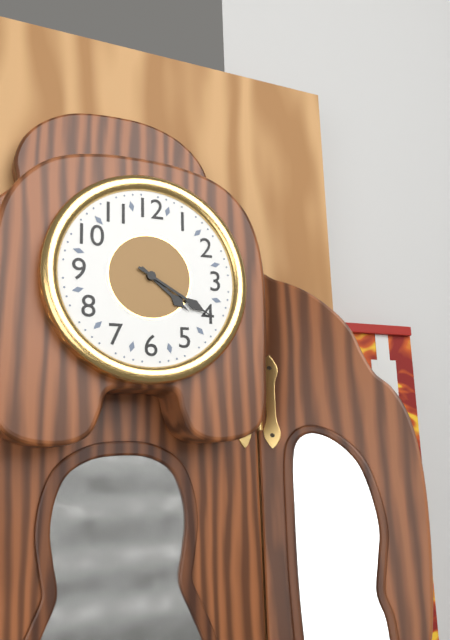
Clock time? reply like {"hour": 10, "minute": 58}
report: {"hour": 4, "minute": 20}
